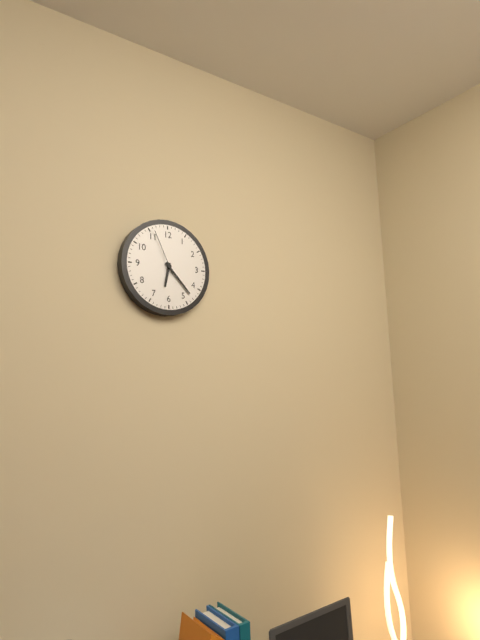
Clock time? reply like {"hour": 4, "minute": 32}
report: {"hour": 6, "minute": 23}
